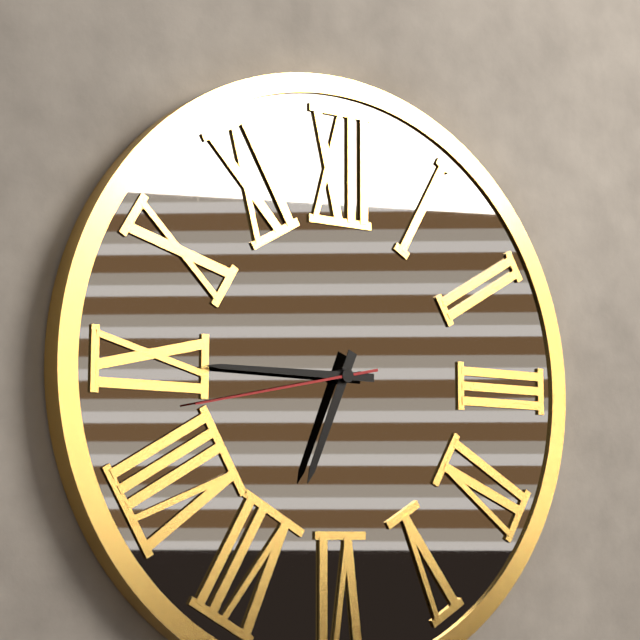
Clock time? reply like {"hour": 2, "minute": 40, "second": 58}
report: {"hour": 6, "minute": 45, "second": 43}
